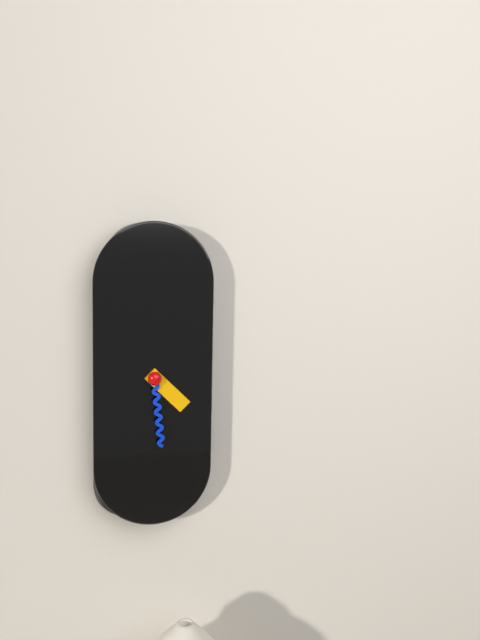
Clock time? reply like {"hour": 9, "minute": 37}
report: {"hour": 4, "minute": 29}
